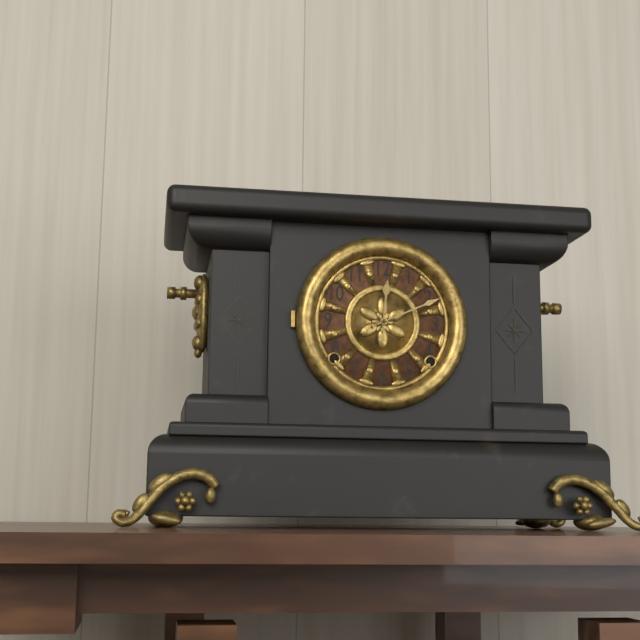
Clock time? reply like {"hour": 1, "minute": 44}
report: {"hour": 12, "minute": 11}
